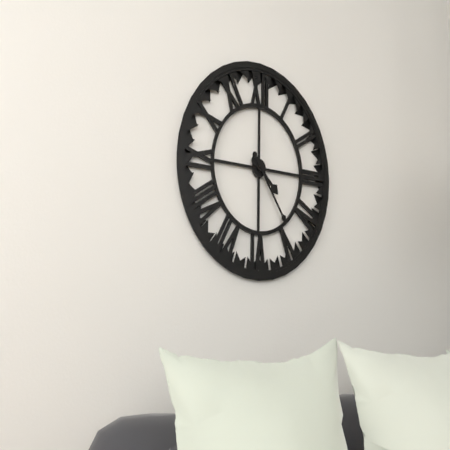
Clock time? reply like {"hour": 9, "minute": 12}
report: {"hour": 4, "minute": 24}
